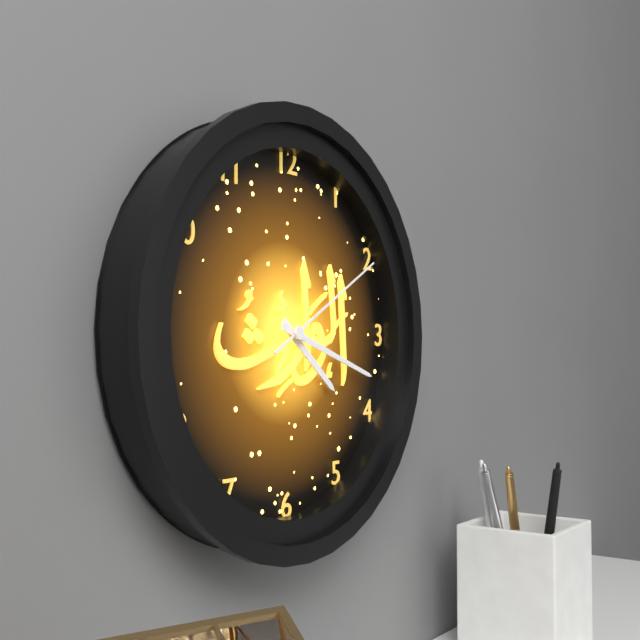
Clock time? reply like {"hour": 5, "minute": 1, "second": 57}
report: {"hour": 4, "minute": 18, "second": 10}
